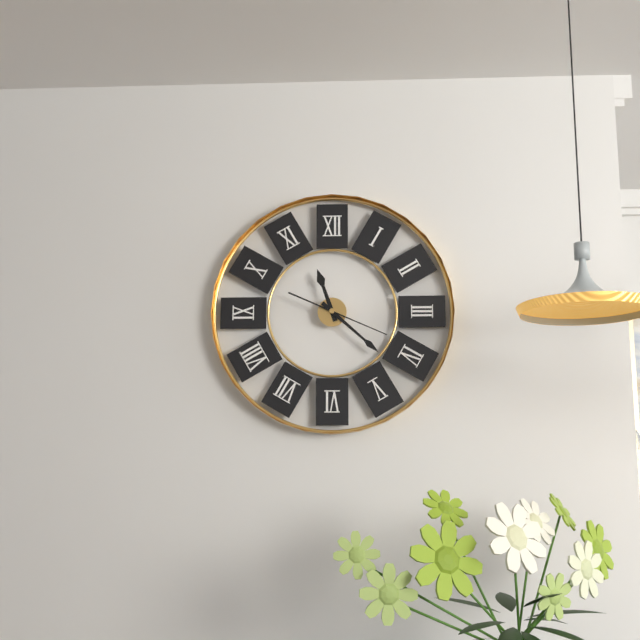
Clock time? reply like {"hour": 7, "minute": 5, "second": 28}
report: {"hour": 11, "minute": 22, "second": 19}
